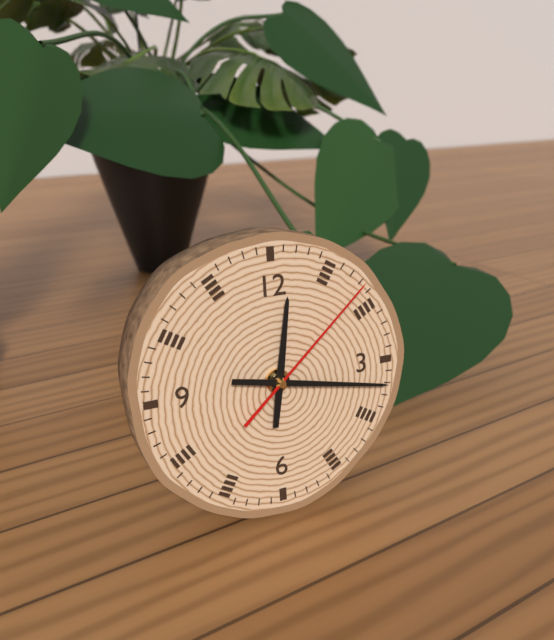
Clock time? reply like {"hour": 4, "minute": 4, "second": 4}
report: {"hour": 12, "minute": 17, "second": 8}
